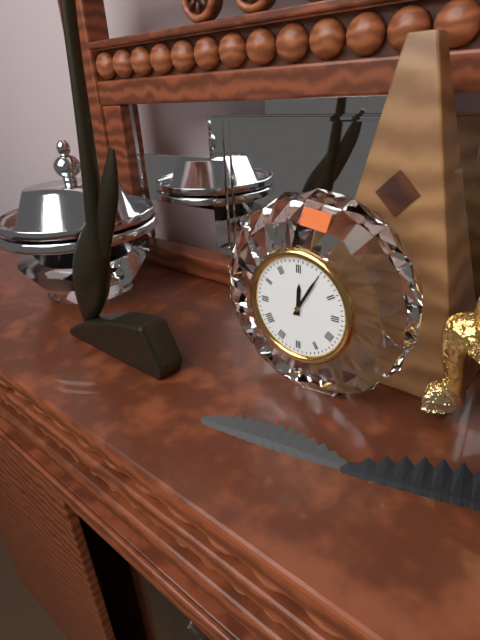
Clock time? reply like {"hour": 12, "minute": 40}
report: {"hour": 12, "minute": 5}
